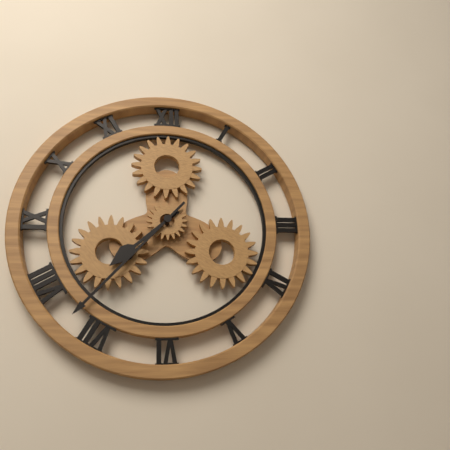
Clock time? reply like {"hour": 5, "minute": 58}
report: {"hour": 7, "minute": 37}
